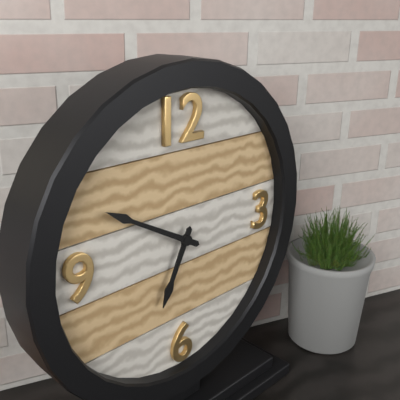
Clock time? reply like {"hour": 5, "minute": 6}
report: {"hour": 6, "minute": 50}
